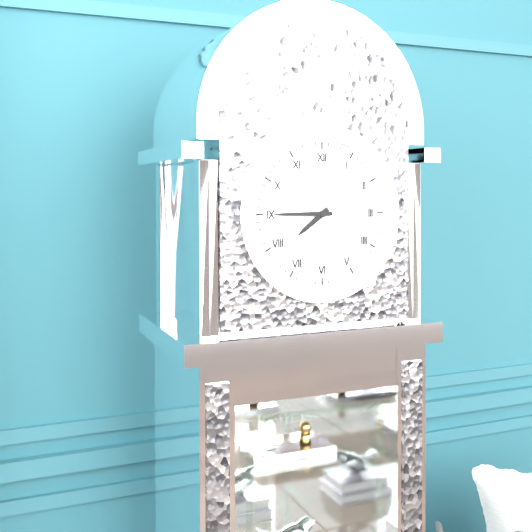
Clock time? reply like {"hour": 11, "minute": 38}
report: {"hour": 7, "minute": 45}
